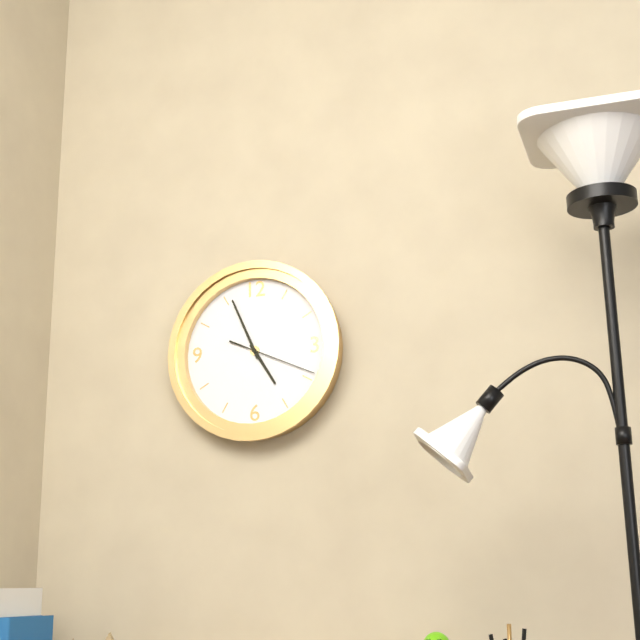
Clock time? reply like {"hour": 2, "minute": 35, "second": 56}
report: {"hour": 4, "minute": 56, "second": 19}
